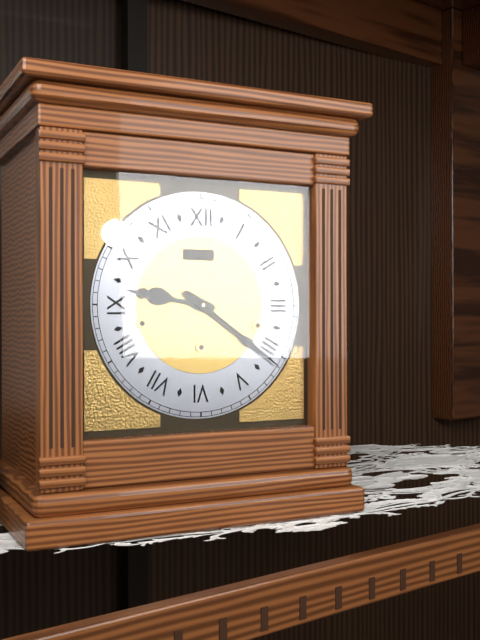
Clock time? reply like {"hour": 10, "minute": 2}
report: {"hour": 9, "minute": 21}
